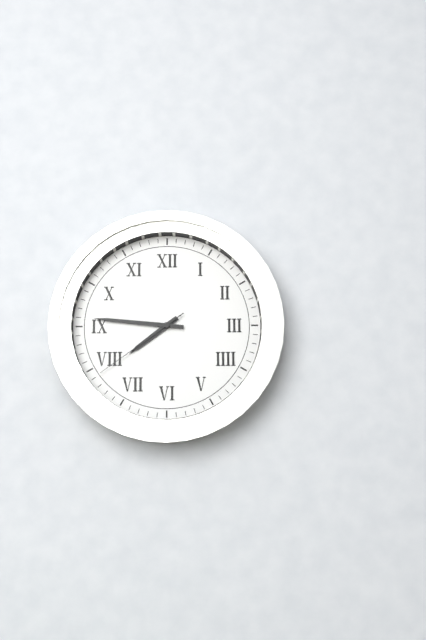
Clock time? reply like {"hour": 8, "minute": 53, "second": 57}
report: {"hour": 7, "minute": 46, "second": 39}
